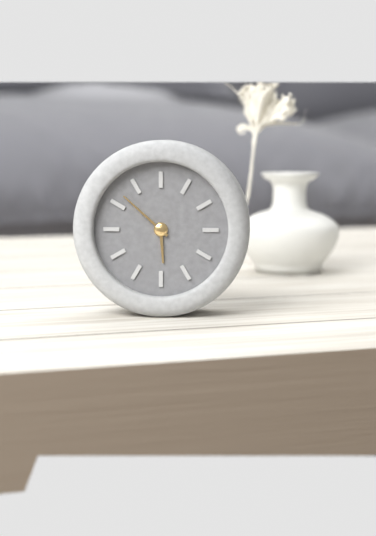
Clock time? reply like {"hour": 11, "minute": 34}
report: {"hour": 5, "minute": 52}
